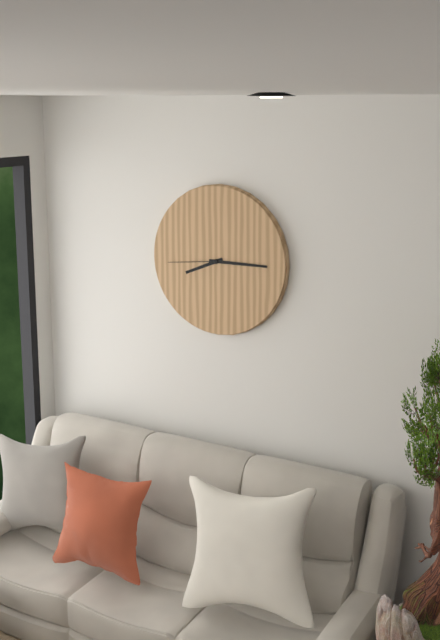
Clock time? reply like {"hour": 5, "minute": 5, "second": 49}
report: {"hour": 8, "minute": 15, "second": 44}
